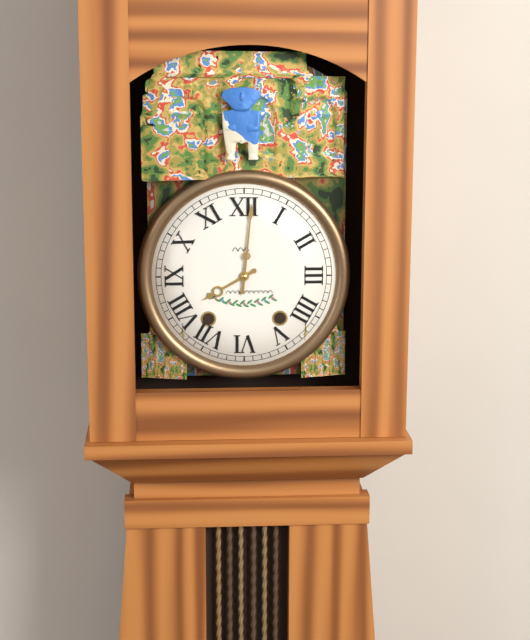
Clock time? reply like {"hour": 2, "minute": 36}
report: {"hour": 8, "minute": 1}
